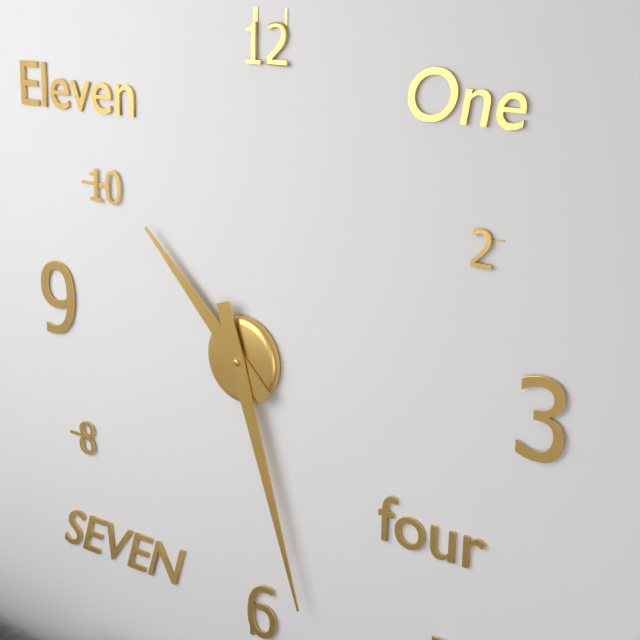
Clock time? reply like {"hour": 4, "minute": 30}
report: {"hour": 10, "minute": 27}
